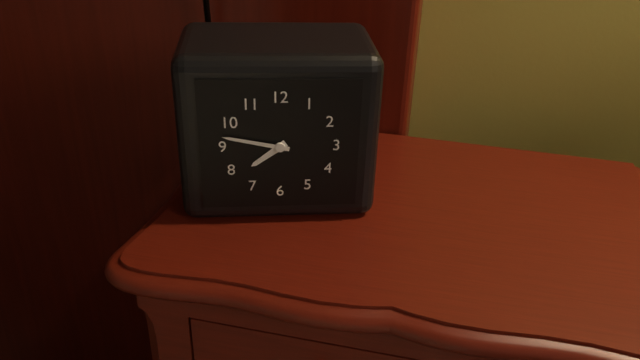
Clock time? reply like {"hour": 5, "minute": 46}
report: {"hour": 7, "minute": 47}
